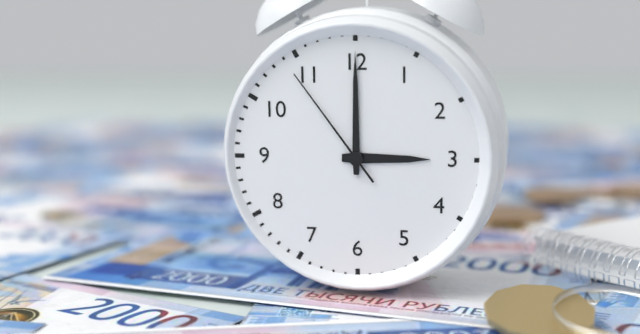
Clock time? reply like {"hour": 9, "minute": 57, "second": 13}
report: {"hour": 3, "minute": 0, "second": 54}
